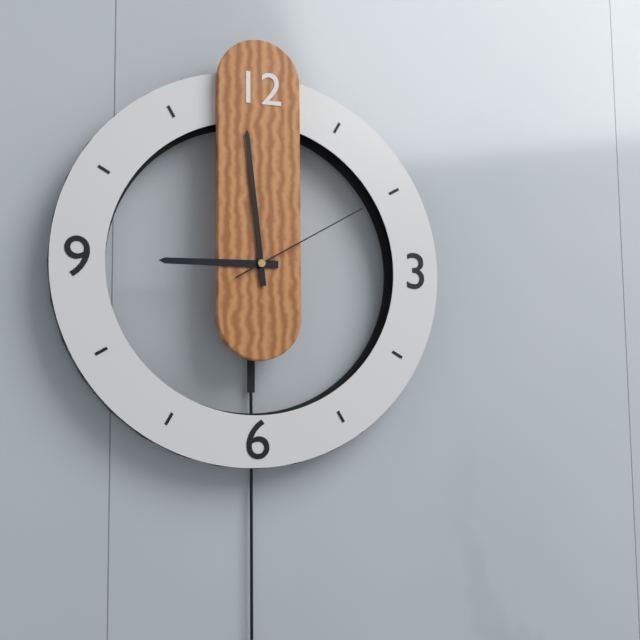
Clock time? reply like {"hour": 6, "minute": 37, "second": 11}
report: {"hour": 8, "minute": 59, "second": 10}
